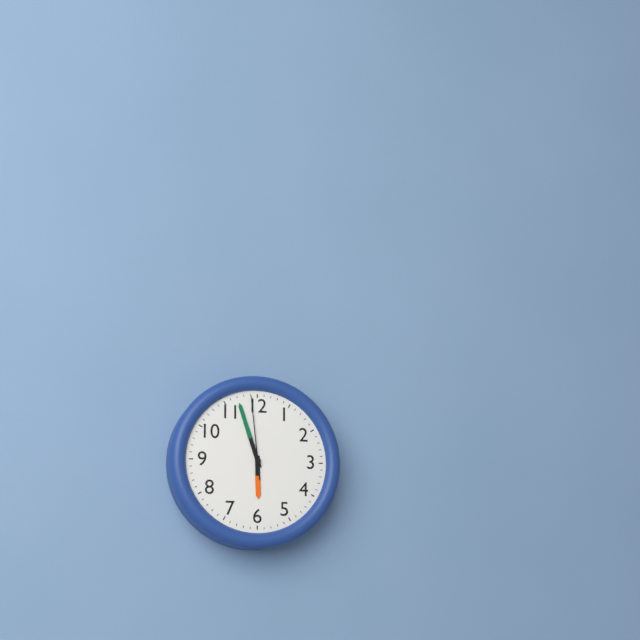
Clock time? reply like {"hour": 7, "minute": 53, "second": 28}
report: {"hour": 5, "minute": 57, "second": 59}
